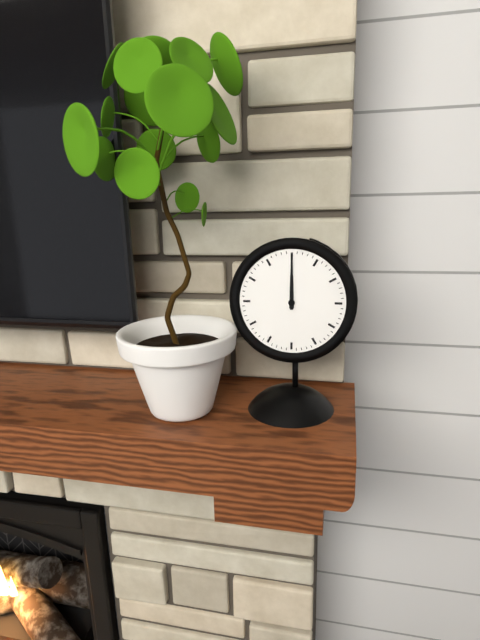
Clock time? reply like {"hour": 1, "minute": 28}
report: {"hour": 12, "minute": 0}
